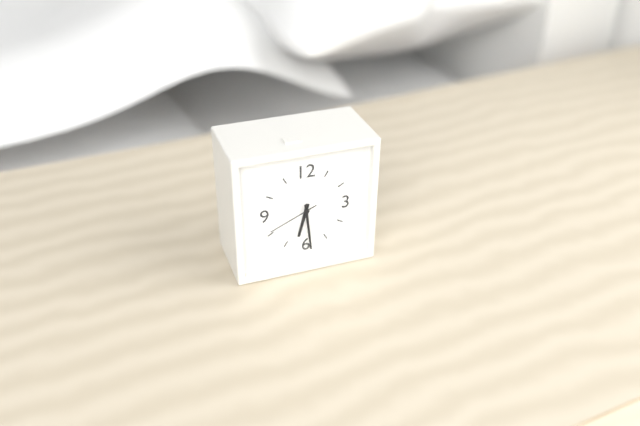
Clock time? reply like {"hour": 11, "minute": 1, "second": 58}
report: {"hour": 6, "minute": 29, "second": 41}
